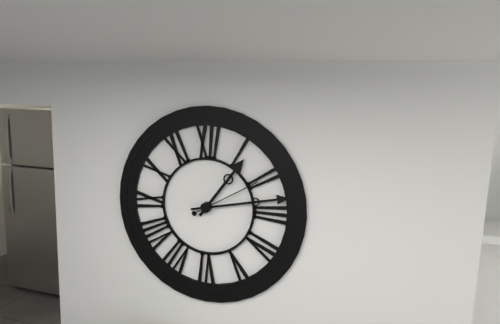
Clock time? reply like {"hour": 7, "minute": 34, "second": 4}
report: {"hour": 1, "minute": 13, "second": 10}
